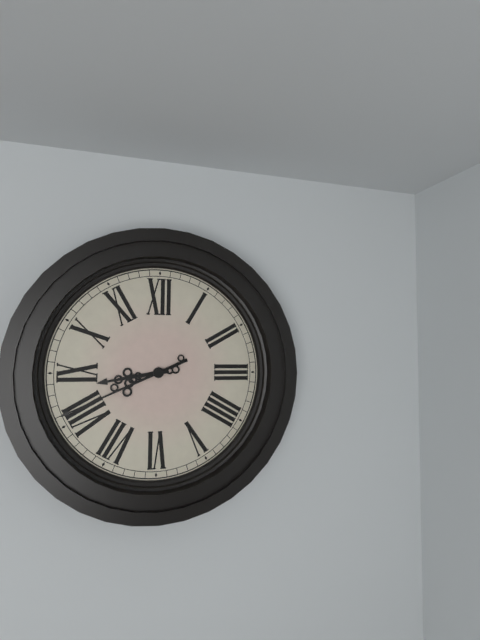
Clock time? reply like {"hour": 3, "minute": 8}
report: {"hour": 8, "minute": 41}
